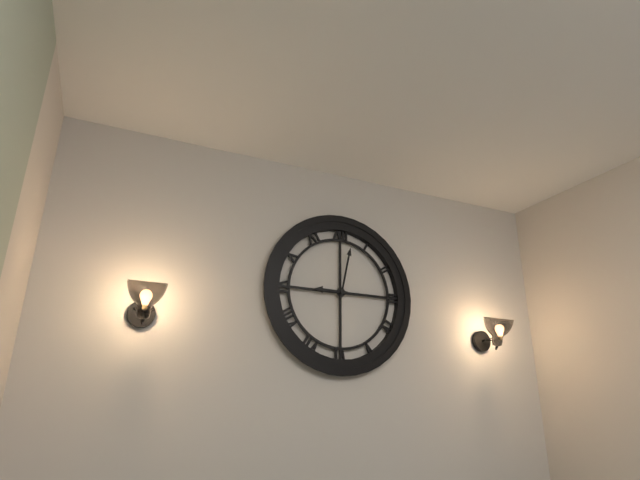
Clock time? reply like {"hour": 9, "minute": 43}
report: {"hour": 9, "minute": 2}
